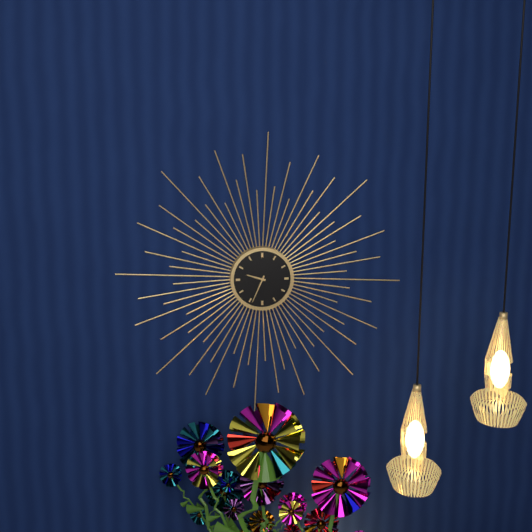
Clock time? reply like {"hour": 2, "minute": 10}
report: {"hour": 9, "minute": 34}
